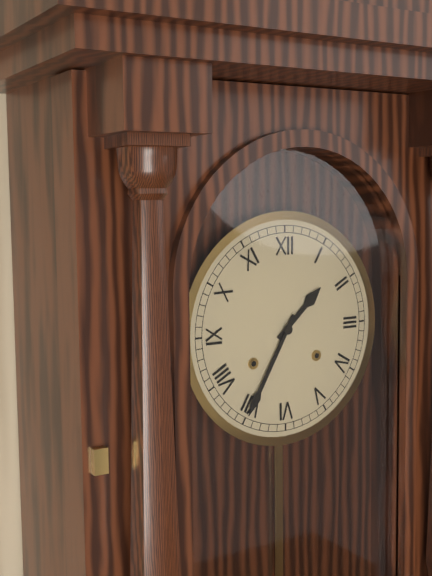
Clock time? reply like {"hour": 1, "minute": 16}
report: {"hour": 1, "minute": 35}
